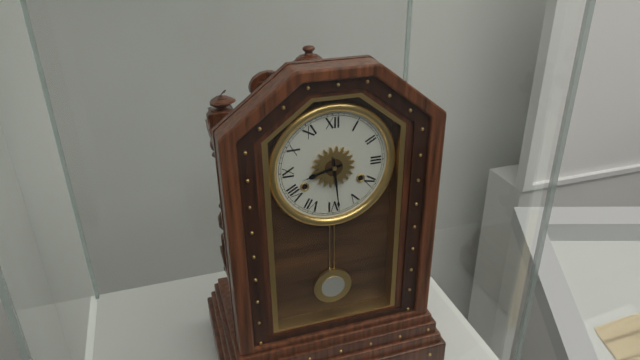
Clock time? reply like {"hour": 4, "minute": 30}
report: {"hour": 8, "minute": 29}
